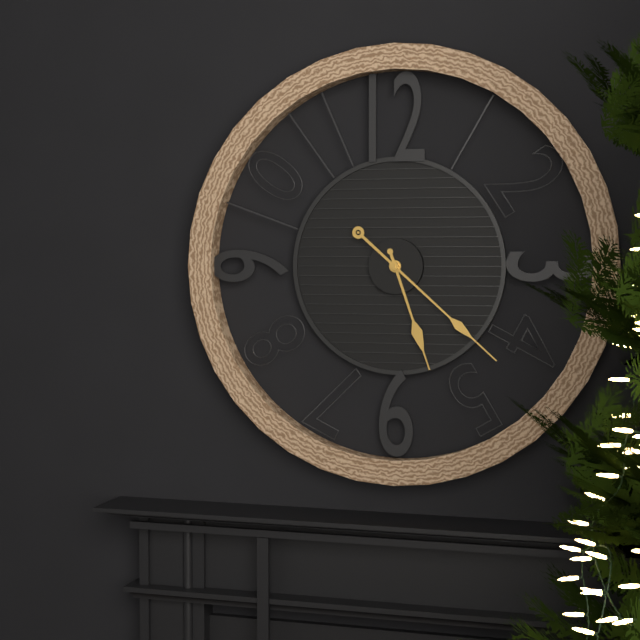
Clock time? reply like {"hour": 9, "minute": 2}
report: {"hour": 5, "minute": 22}
